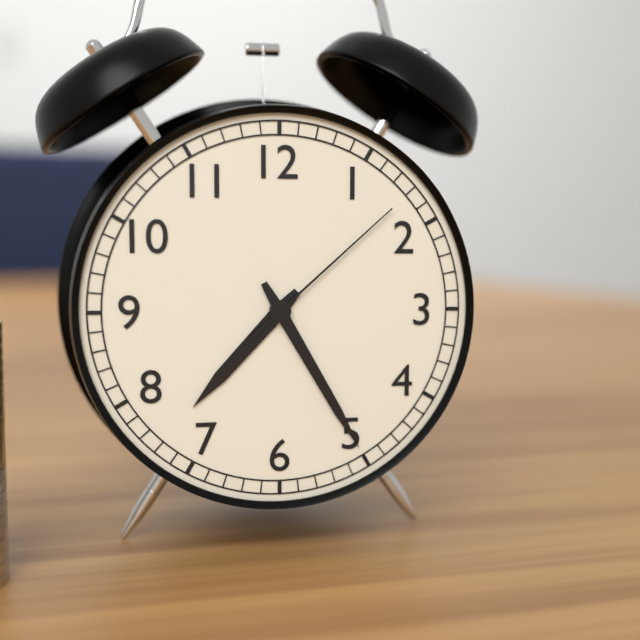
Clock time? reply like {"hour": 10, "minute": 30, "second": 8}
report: {"hour": 7, "minute": 25, "second": 8}
